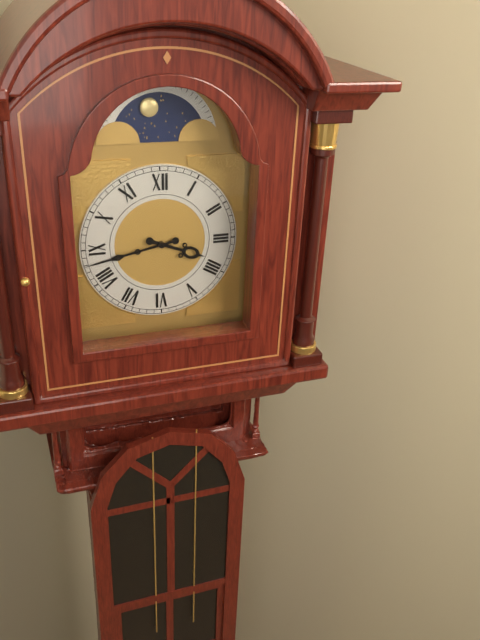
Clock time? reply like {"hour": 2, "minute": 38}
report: {"hour": 3, "minute": 43}
